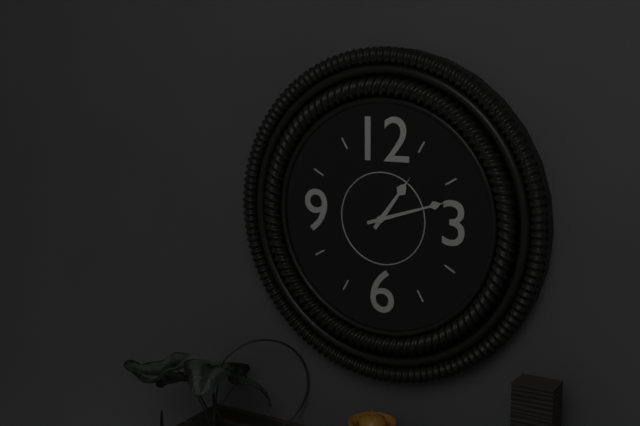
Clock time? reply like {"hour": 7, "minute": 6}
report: {"hour": 1, "minute": 12}
